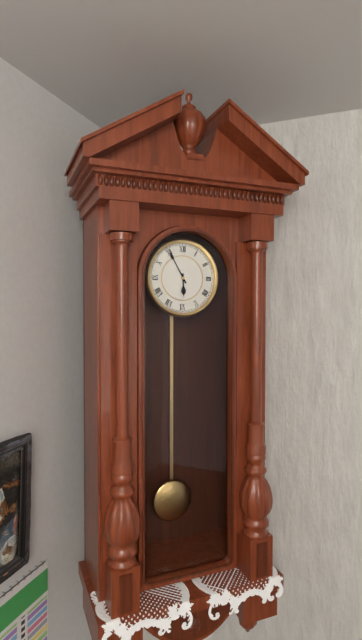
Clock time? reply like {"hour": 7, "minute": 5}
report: {"hour": 5, "minute": 55}
